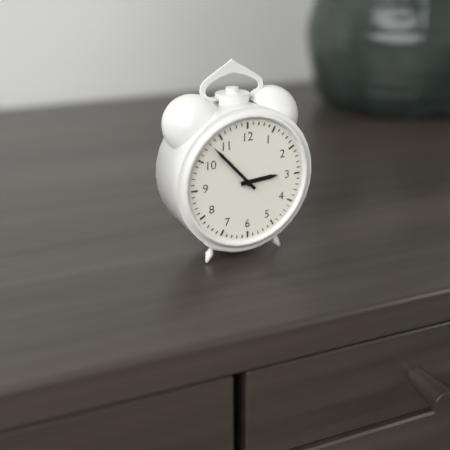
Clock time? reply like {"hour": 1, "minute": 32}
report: {"hour": 2, "minute": 53}
